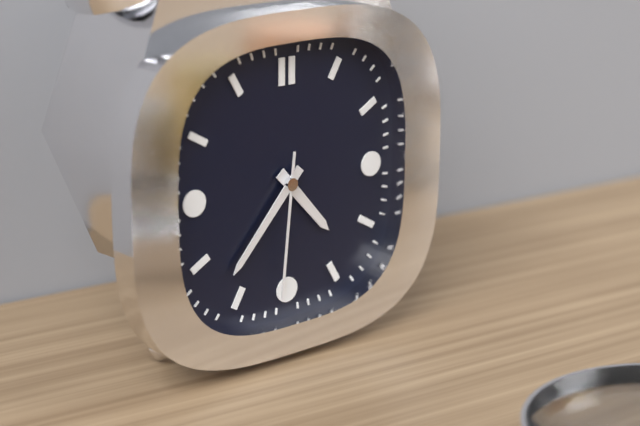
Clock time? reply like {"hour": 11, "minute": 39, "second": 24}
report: {"hour": 4, "minute": 37, "second": 31}
